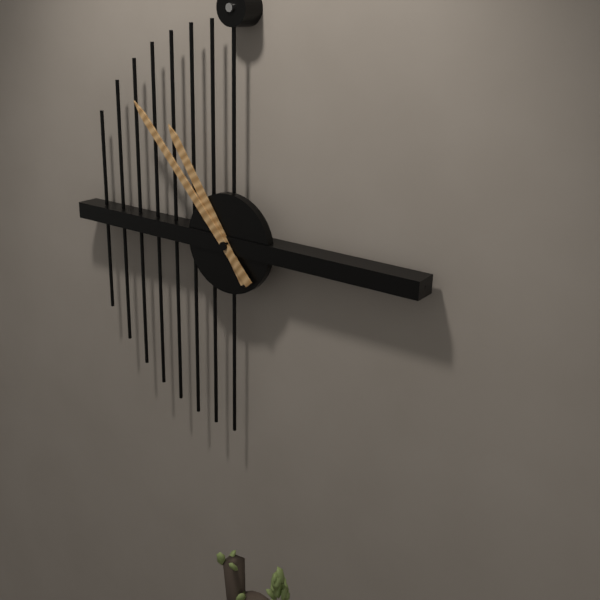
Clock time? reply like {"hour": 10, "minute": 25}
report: {"hour": 10, "minute": 53}
